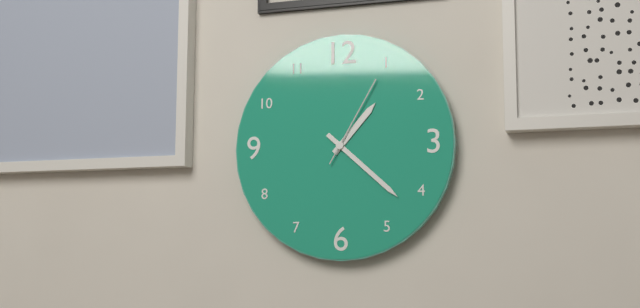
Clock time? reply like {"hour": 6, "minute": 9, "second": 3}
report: {"hour": 1, "minute": 22, "second": 5}
